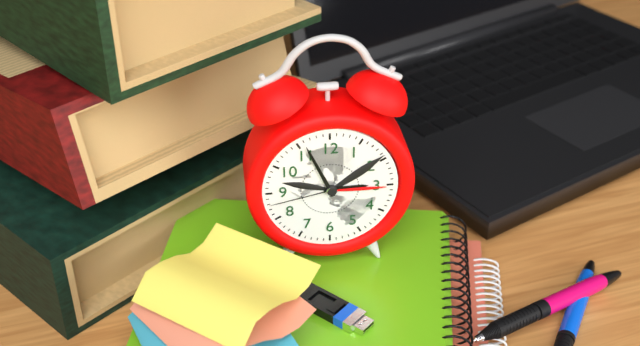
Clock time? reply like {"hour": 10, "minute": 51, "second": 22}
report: {"hour": 2, "minute": 56, "second": 43}
